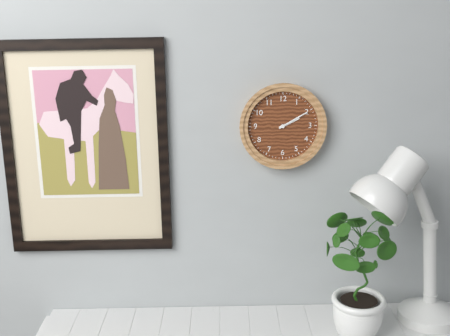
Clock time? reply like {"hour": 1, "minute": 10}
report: {"hour": 2, "minute": 10}
